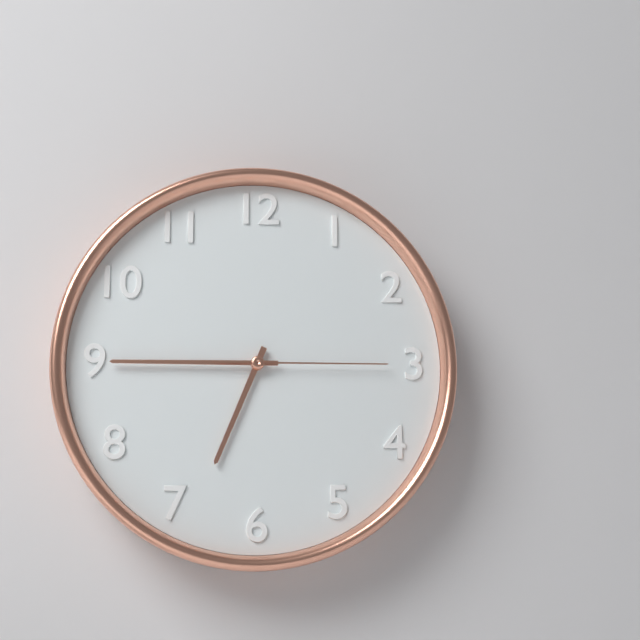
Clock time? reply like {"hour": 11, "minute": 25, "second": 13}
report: {"hour": 6, "minute": 45, "second": 15}
